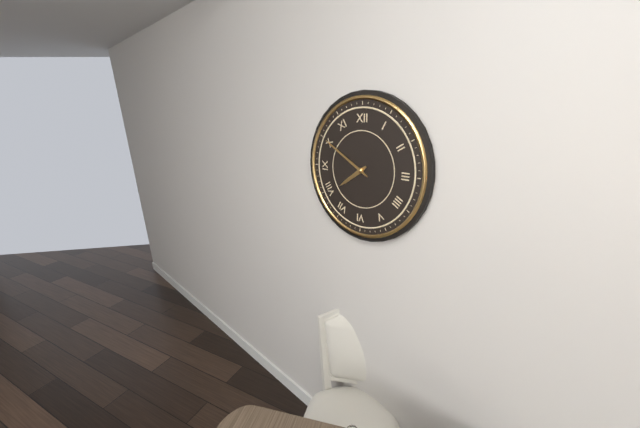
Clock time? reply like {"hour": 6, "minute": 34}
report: {"hour": 7, "minute": 50}
